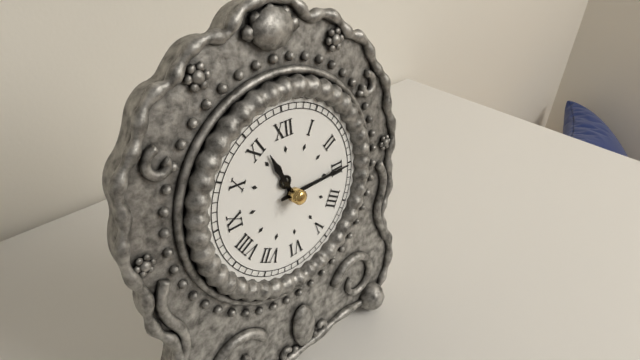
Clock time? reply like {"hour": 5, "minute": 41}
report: {"hour": 11, "minute": 15}
